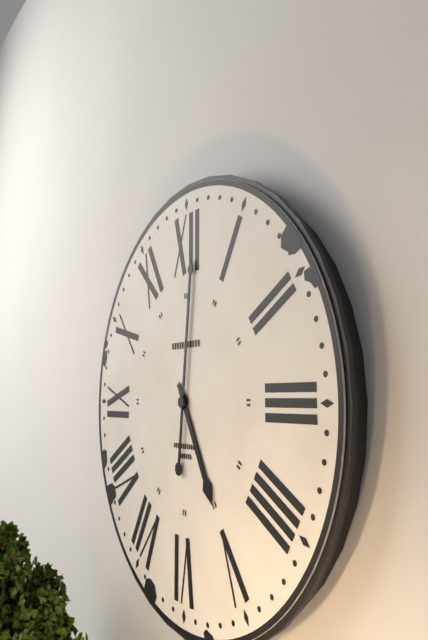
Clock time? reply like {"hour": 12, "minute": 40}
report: {"hour": 5, "minute": 1}
